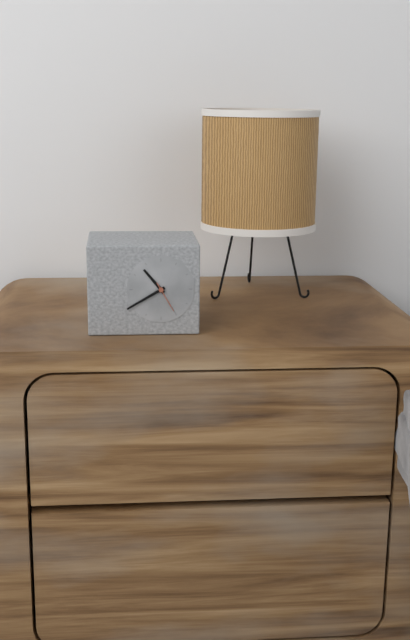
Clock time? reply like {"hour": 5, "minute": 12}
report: {"hour": 10, "minute": 40}
